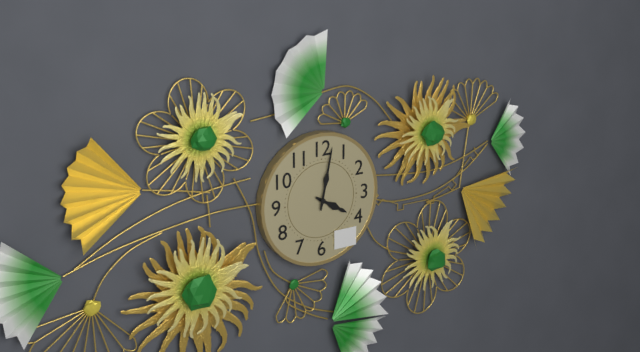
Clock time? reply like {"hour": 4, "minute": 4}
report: {"hour": 4, "minute": 2}
